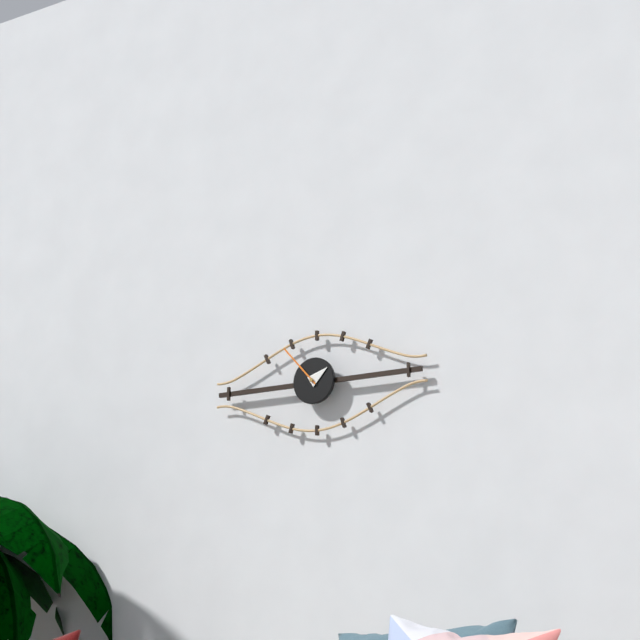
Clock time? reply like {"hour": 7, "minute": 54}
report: {"hour": 1, "minute": 53}
